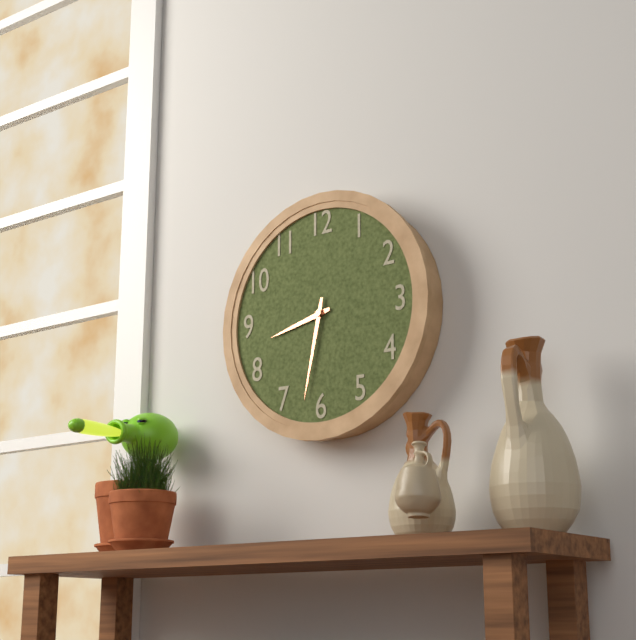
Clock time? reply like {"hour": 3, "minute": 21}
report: {"hour": 8, "minute": 32}
